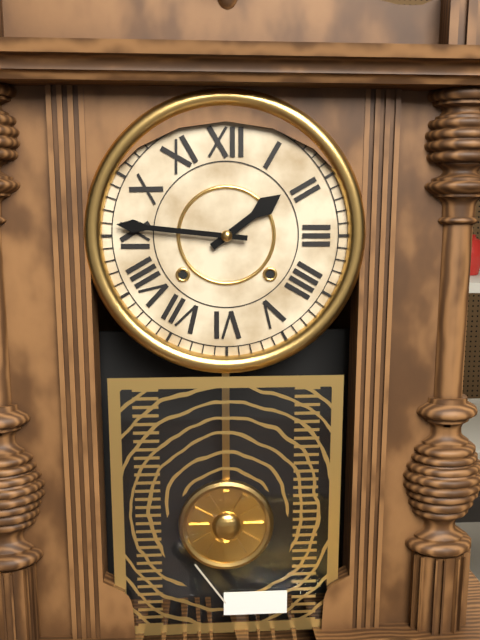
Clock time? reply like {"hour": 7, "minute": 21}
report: {"hour": 1, "minute": 46}
